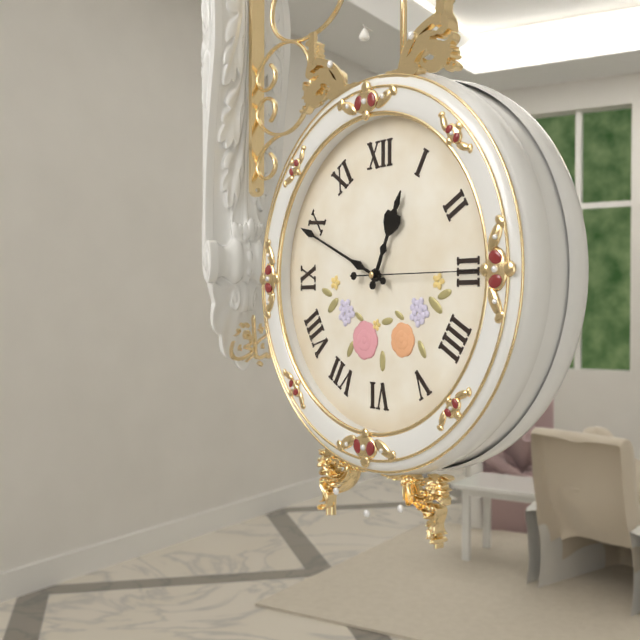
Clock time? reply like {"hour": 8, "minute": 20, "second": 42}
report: {"hour": 12, "minute": 49, "second": 15}
